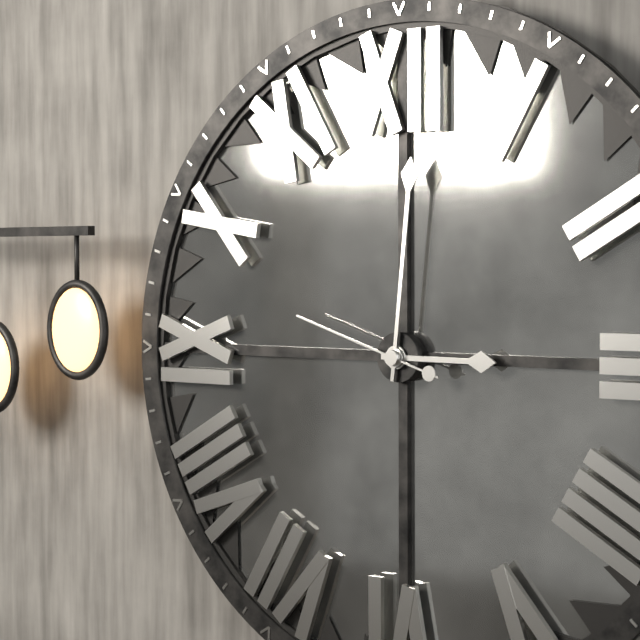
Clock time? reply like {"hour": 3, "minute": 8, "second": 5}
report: {"hour": 3, "minute": 1, "second": 48}
